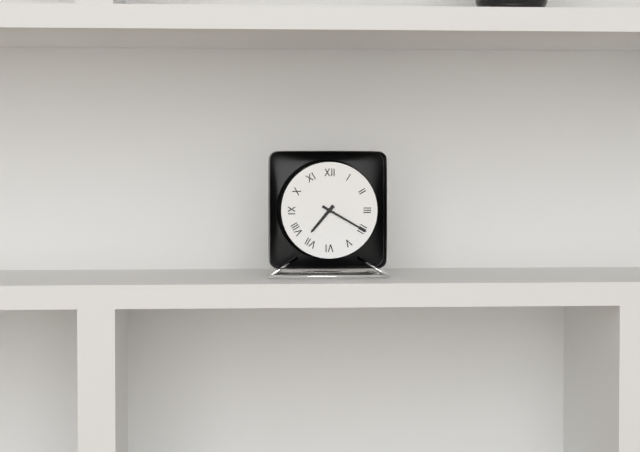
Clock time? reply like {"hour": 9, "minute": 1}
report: {"hour": 7, "minute": 20}
